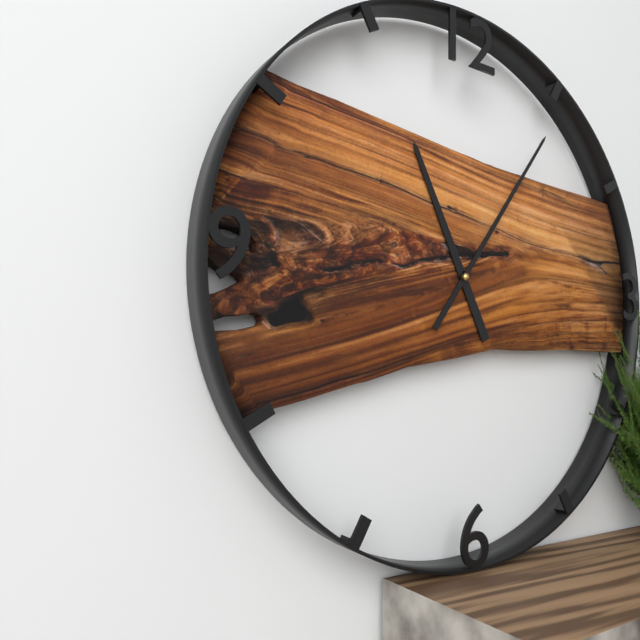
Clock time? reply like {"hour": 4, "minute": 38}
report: {"hour": 11, "minute": 6}
